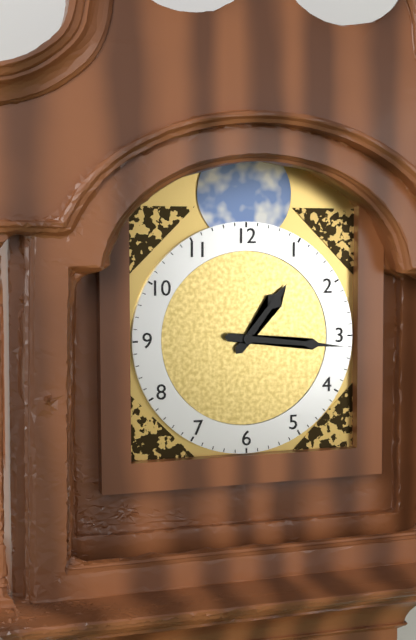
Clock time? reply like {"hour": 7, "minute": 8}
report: {"hour": 1, "minute": 16}
